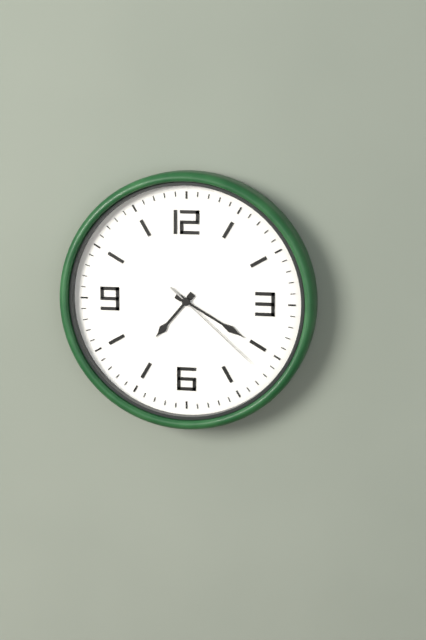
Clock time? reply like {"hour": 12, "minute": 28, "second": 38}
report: {"hour": 7, "minute": 20, "second": 22}
